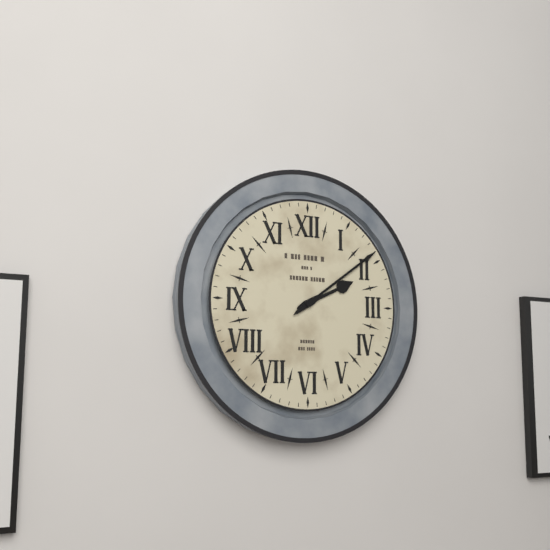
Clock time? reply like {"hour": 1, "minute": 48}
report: {"hour": 2, "minute": 9}
